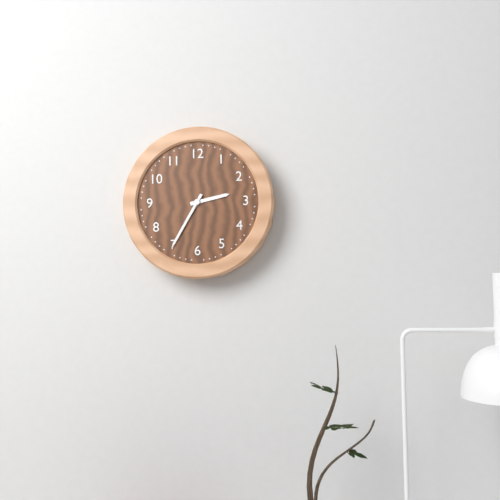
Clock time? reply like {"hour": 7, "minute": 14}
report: {"hour": 2, "minute": 35}
